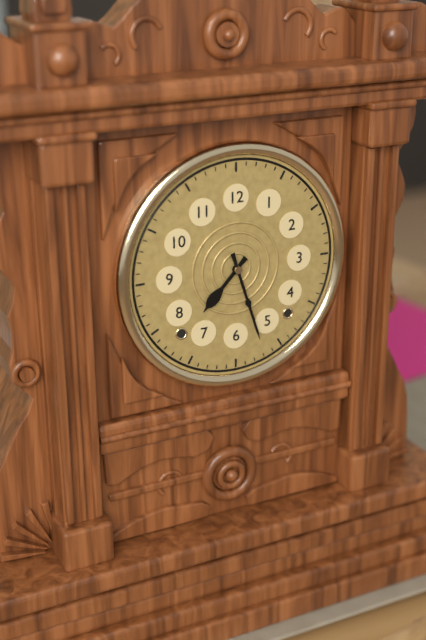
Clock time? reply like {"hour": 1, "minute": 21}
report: {"hour": 7, "minute": 27}
